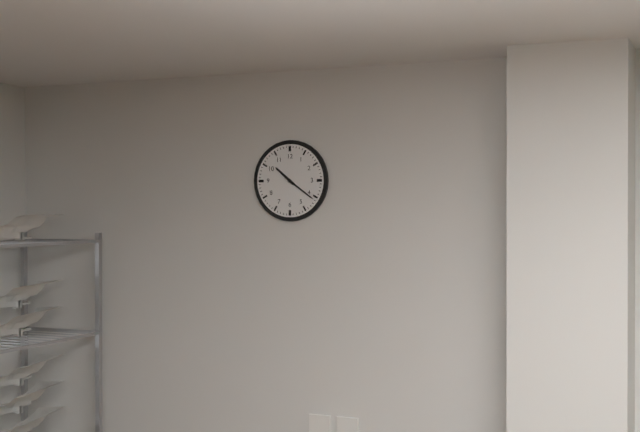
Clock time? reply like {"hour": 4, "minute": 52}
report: {"hour": 10, "minute": 21}
